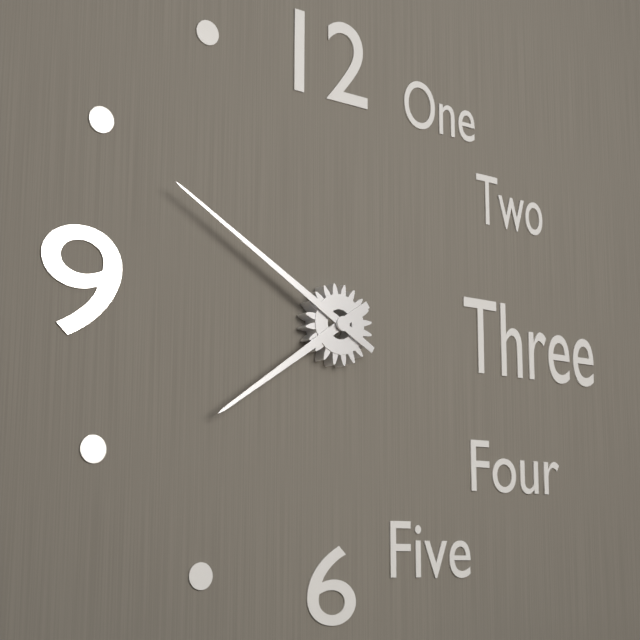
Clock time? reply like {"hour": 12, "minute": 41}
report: {"hour": 7, "minute": 50}
